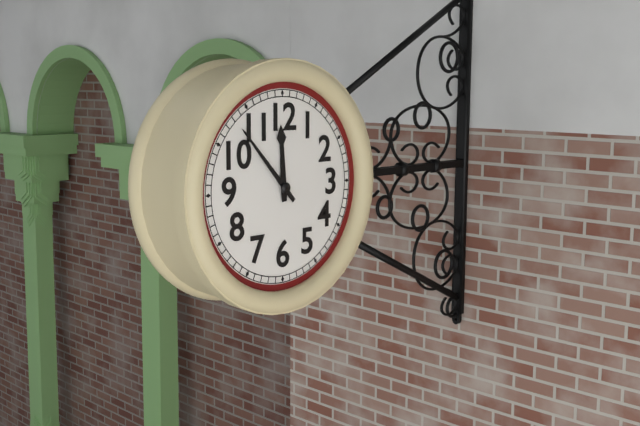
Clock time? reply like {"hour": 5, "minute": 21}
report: {"hour": 11, "minute": 53}
